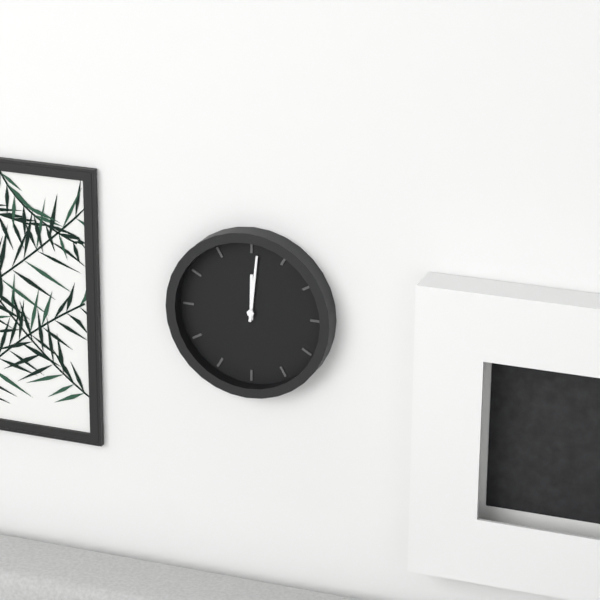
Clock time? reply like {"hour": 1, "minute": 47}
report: {"hour": 12, "minute": 1}
